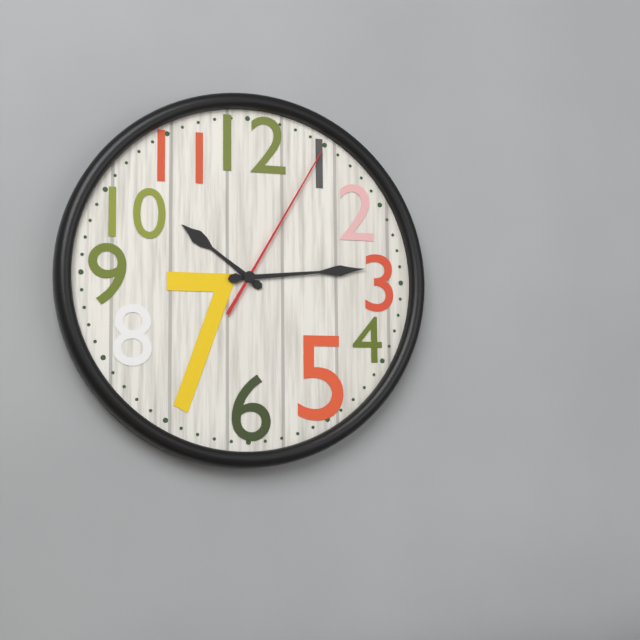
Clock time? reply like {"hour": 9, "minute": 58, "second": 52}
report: {"hour": 10, "minute": 14, "second": 5}
